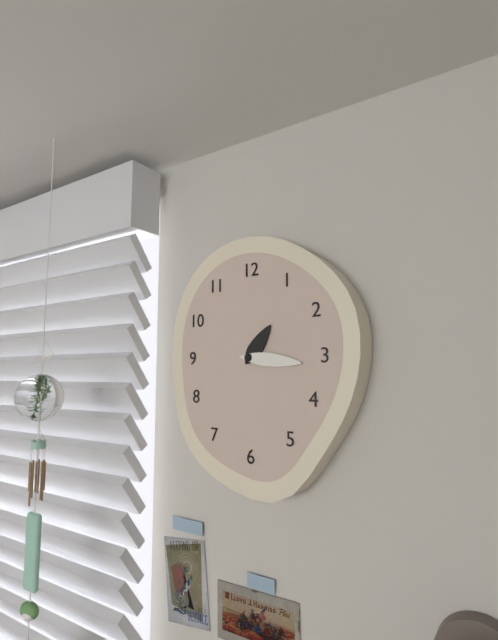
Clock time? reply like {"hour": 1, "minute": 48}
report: {"hour": 1, "minute": 16}
